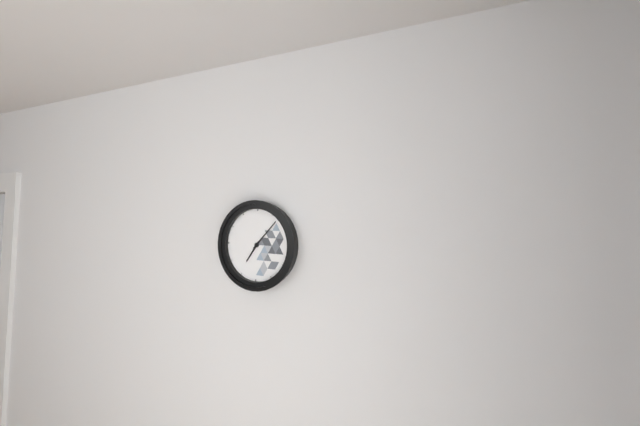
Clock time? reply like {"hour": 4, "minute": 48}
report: {"hour": 7, "minute": 7}
